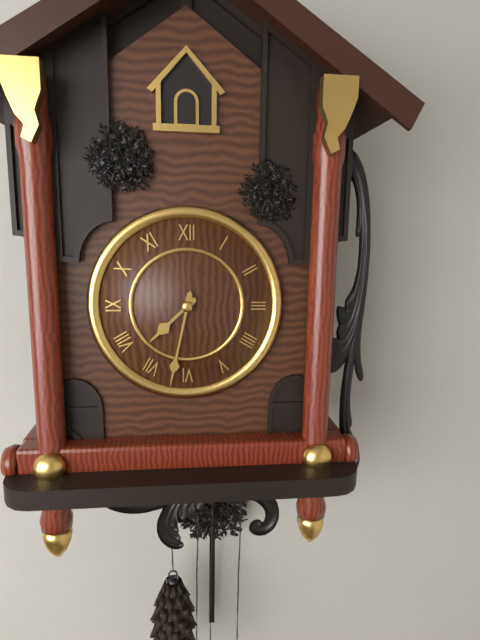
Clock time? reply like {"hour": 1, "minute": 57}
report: {"hour": 7, "minute": 32}
